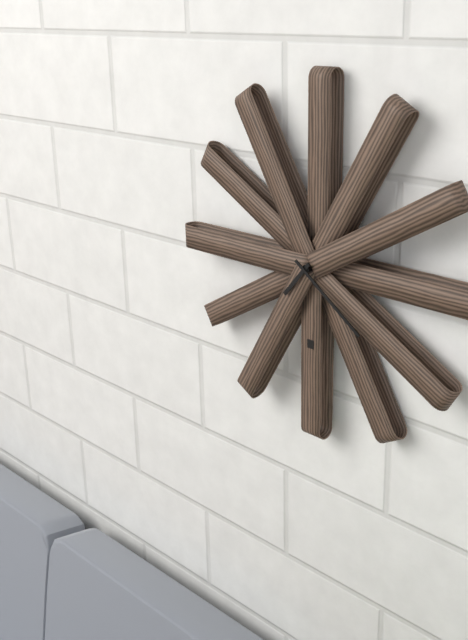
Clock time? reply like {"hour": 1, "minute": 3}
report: {"hour": 7, "minute": 21}
